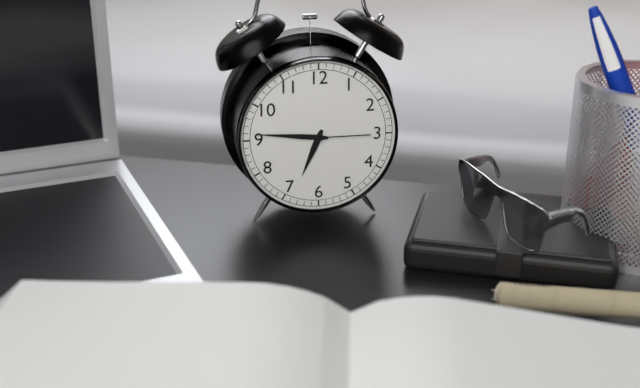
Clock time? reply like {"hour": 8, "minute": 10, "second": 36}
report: {"hour": 6, "minute": 46, "second": 15}
